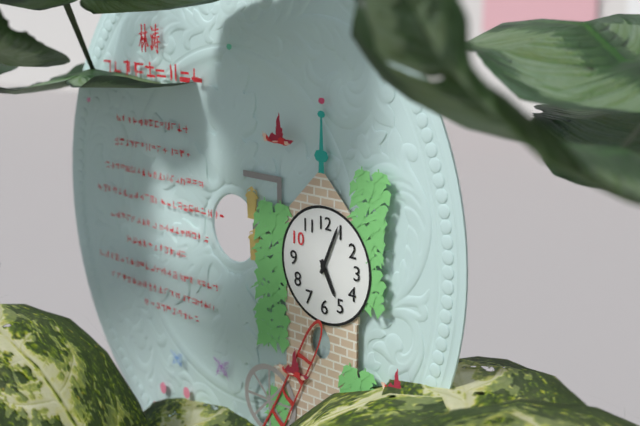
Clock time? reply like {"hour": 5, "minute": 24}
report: {"hour": 5, "minute": 4}
